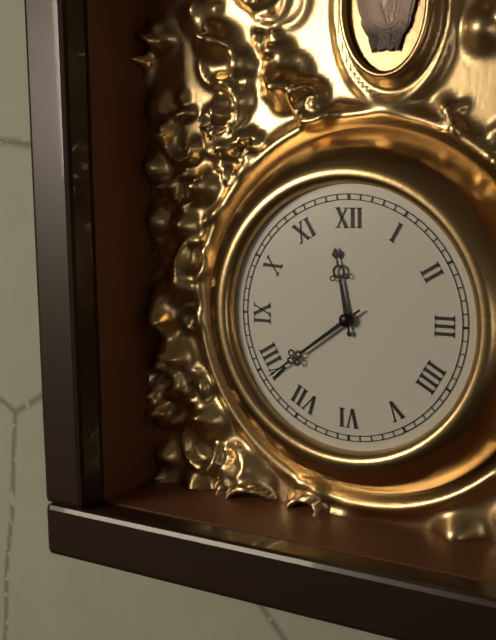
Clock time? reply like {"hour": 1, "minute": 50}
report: {"hour": 11, "minute": 39}
